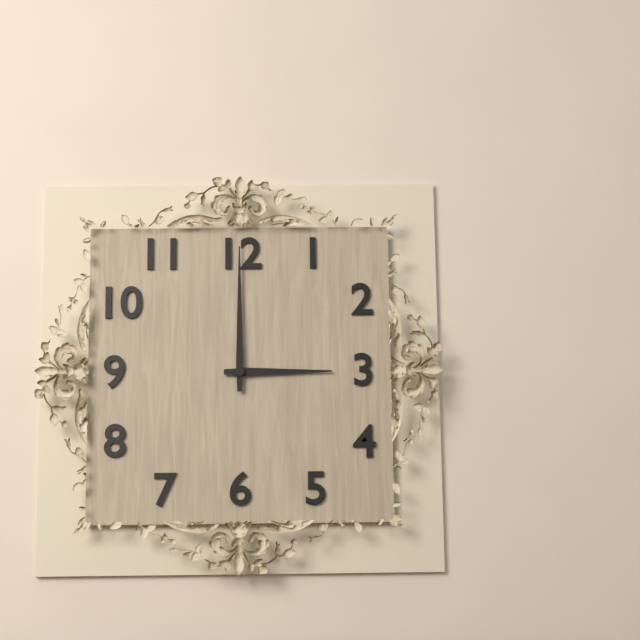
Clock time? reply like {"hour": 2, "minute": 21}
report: {"hour": 3, "minute": 0}
